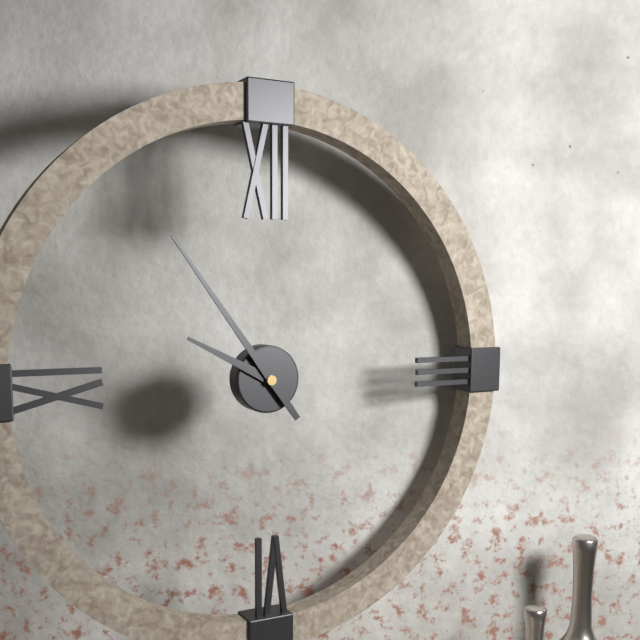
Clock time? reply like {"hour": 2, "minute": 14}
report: {"hour": 9, "minute": 54}
